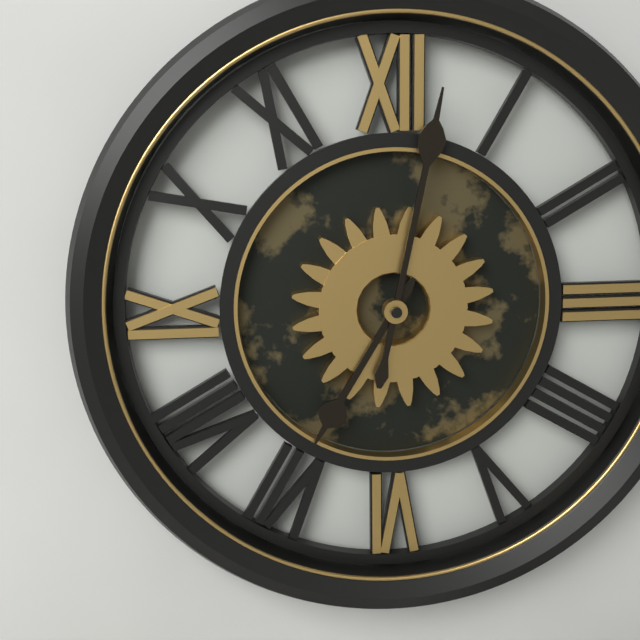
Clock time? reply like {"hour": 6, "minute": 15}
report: {"hour": 7, "minute": 2}
